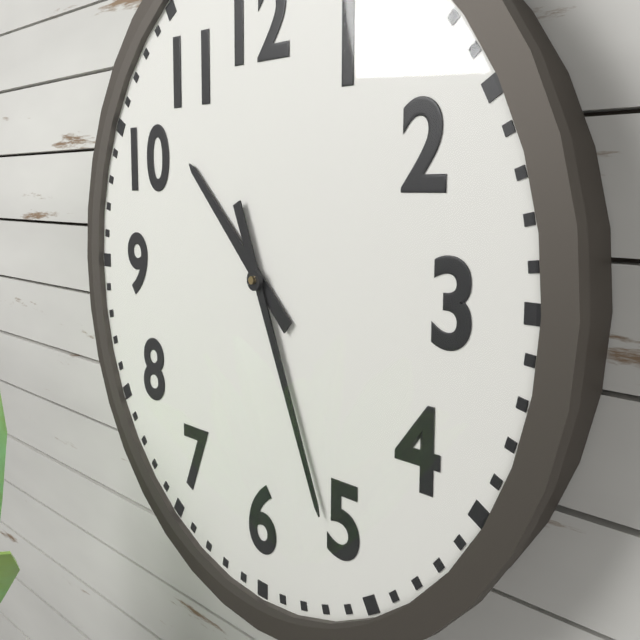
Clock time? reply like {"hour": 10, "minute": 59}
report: {"hour": 10, "minute": 26}
